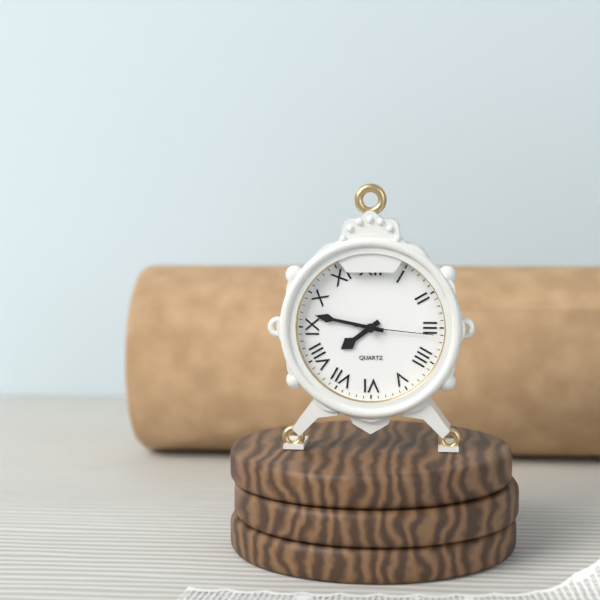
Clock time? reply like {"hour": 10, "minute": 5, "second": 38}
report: {"hour": 7, "minute": 47, "second": 16}
